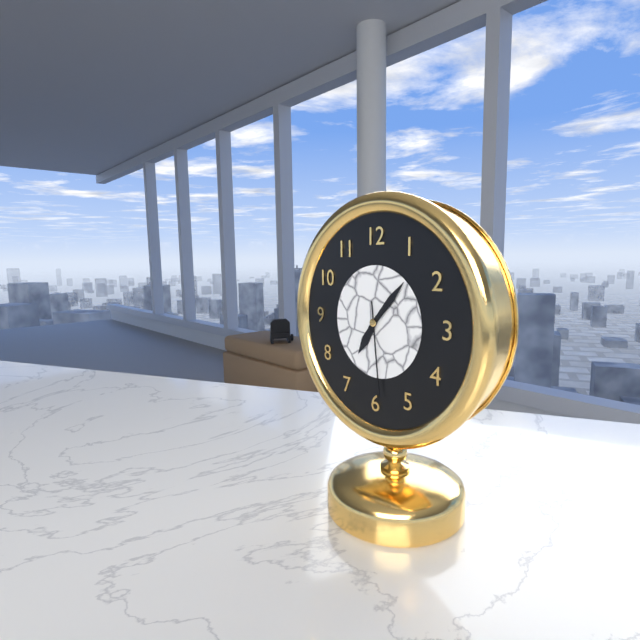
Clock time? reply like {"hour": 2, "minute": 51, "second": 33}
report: {"hour": 7, "minute": 7, "second": 29}
